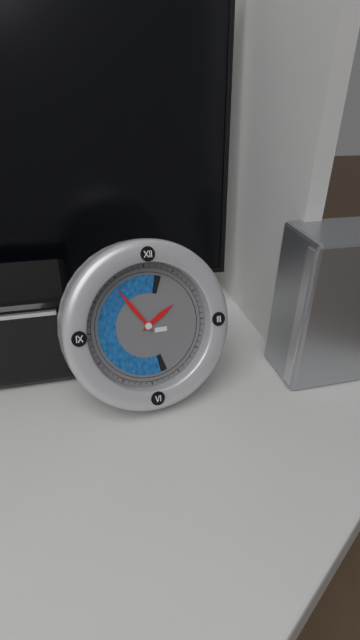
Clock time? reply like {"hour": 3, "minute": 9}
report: {"hour": 1, "minute": 54}
